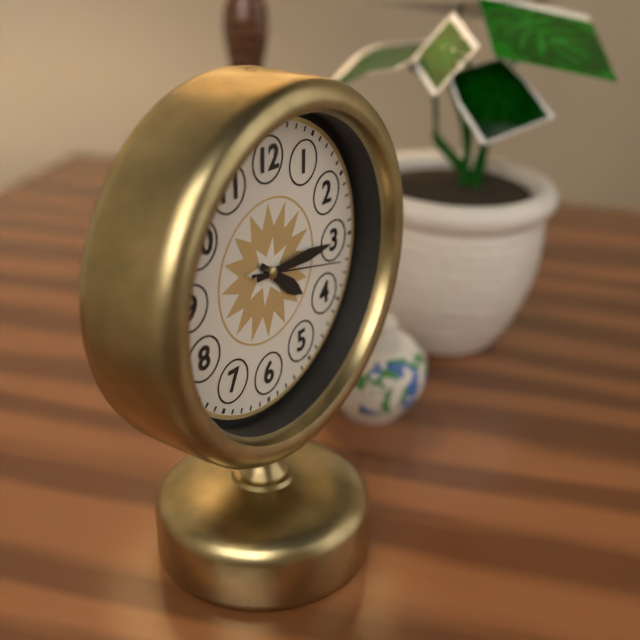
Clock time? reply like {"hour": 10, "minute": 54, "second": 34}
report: {"hour": 4, "minute": 15, "second": 17}
